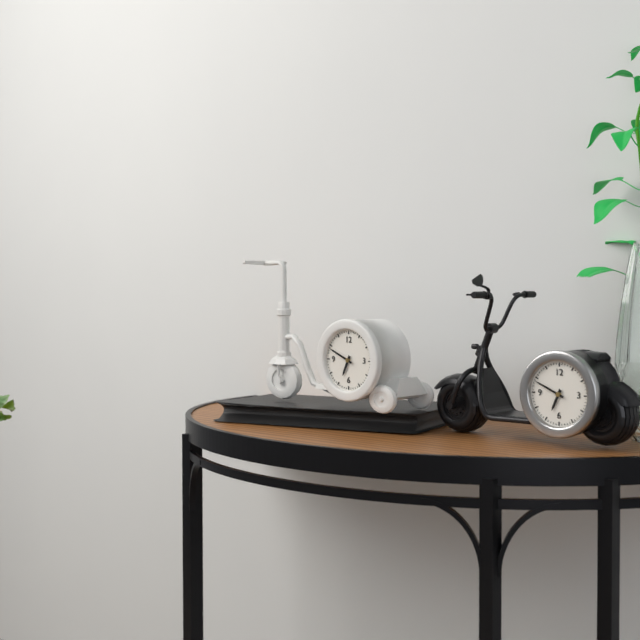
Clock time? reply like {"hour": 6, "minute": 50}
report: {"hour": 6, "minute": 49}
